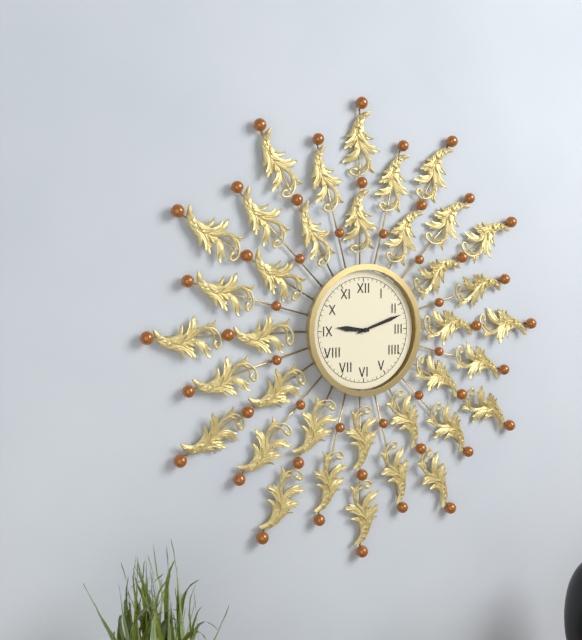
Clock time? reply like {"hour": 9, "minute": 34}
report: {"hour": 9, "minute": 12}
